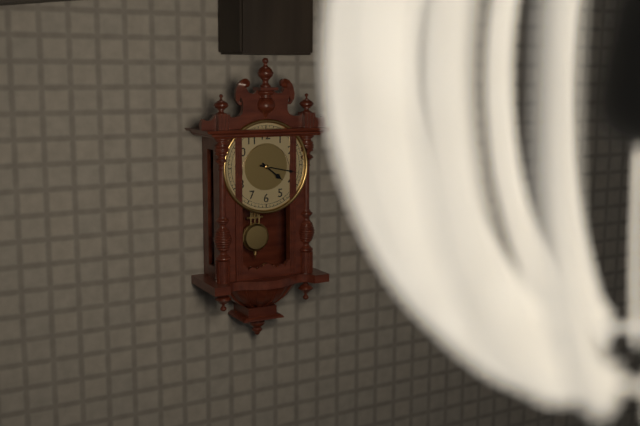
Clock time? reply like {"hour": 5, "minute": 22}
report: {"hour": 4, "minute": 17}
